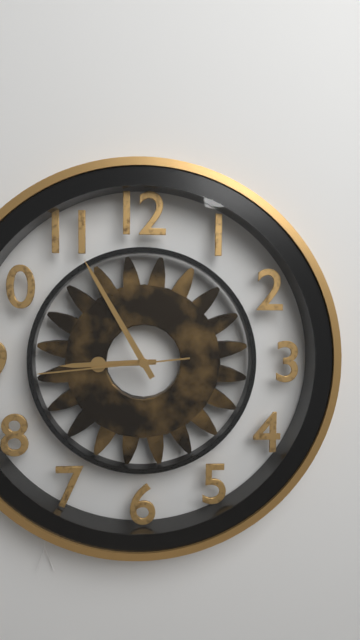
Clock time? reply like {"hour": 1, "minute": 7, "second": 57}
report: {"hour": 8, "minute": 55, "second": 44}
